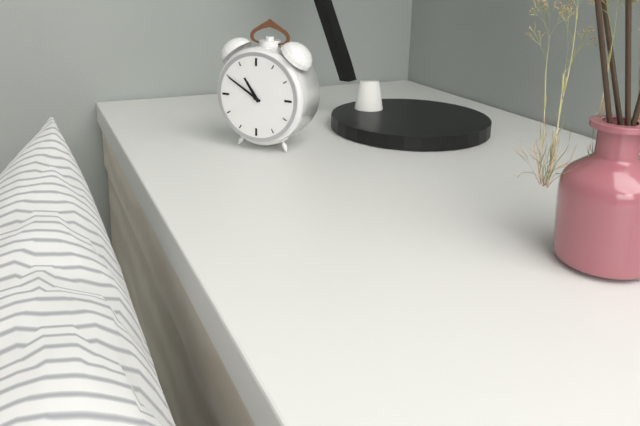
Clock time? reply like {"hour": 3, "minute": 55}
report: {"hour": 10, "minute": 50}
